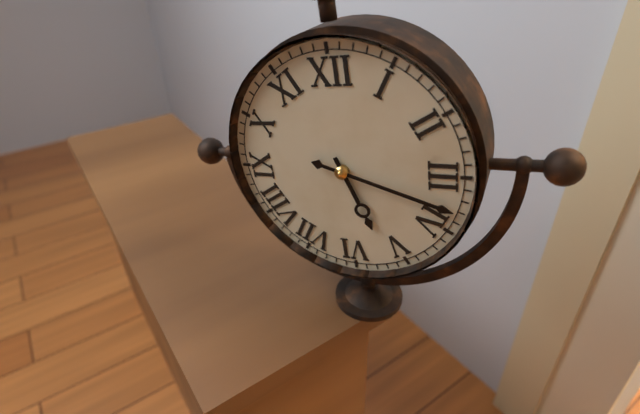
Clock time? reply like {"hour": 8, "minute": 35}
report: {"hour": 5, "minute": 18}
